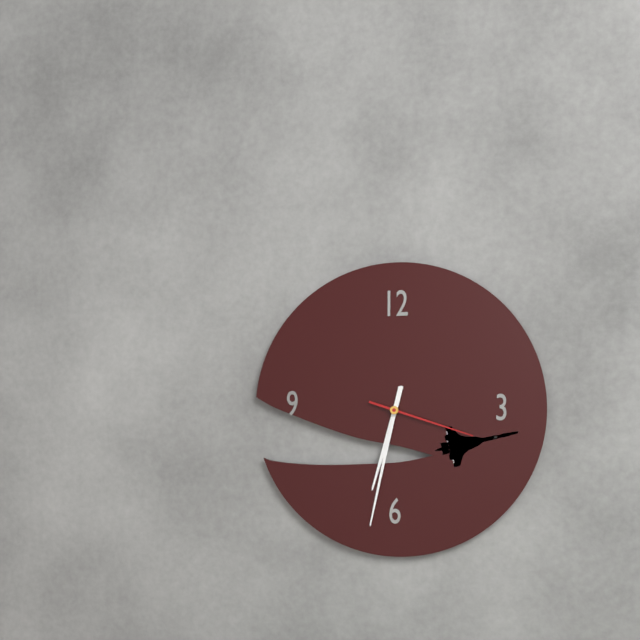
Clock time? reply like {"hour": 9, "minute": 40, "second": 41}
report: {"hour": 6, "minute": 32, "second": 18}
